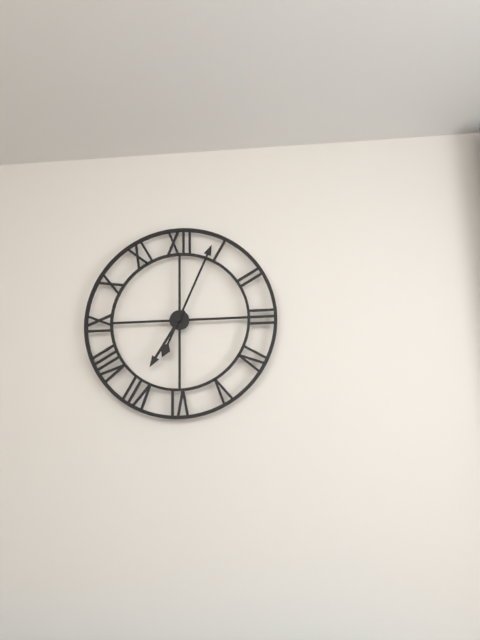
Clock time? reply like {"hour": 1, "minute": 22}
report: {"hour": 7, "minute": 4}
